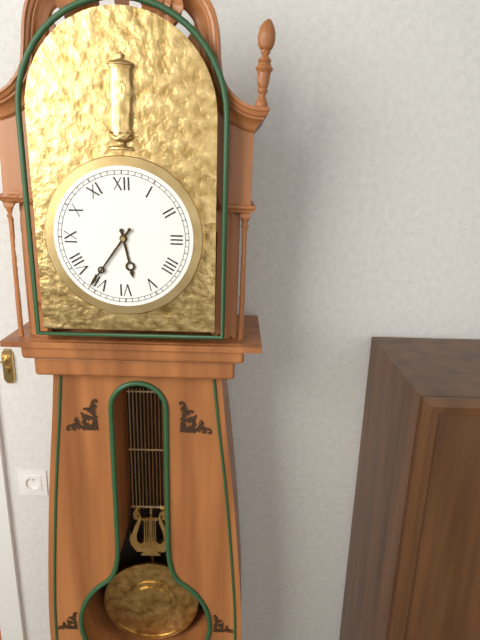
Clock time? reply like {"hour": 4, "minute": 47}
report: {"hour": 5, "minute": 36}
